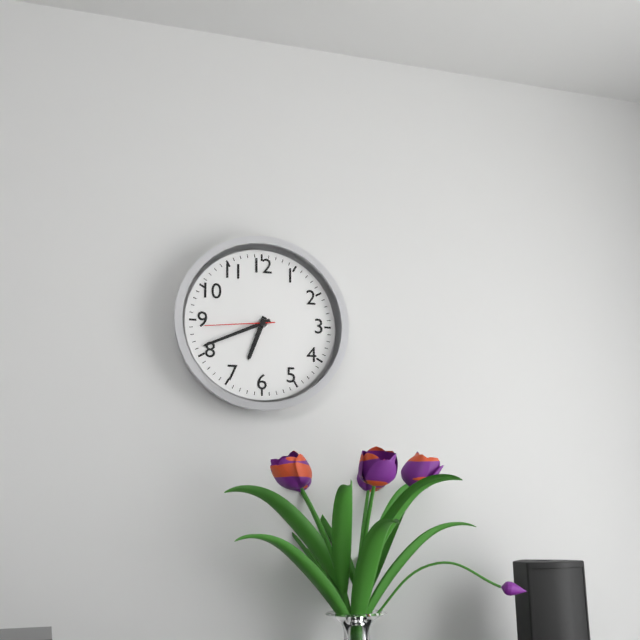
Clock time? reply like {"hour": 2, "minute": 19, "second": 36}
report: {"hour": 6, "minute": 41, "second": 44}
